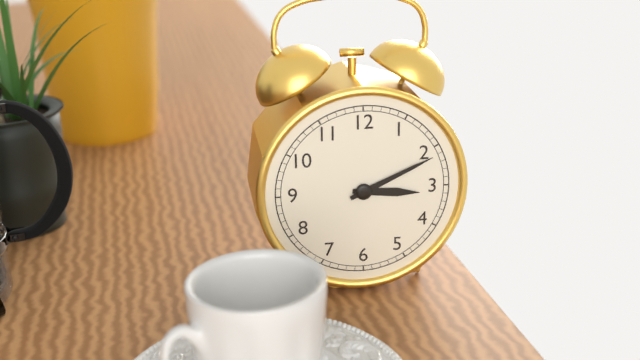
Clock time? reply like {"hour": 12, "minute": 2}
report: {"hour": 3, "minute": 11}
